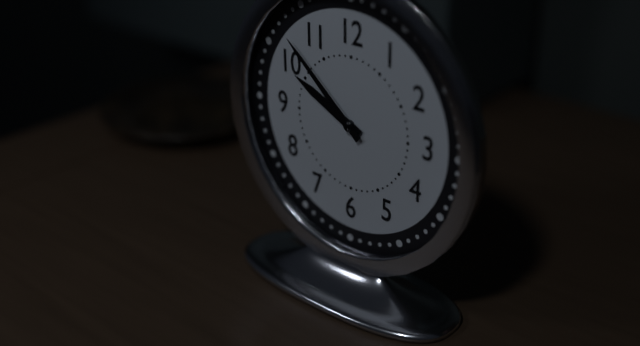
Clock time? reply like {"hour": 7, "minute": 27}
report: {"hour": 9, "minute": 52}
